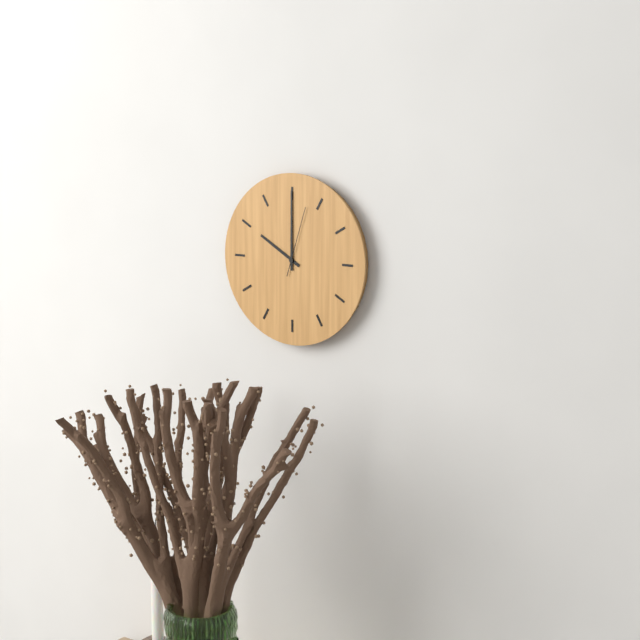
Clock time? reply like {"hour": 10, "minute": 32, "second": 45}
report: {"hour": 10, "minute": 0, "second": 3}
